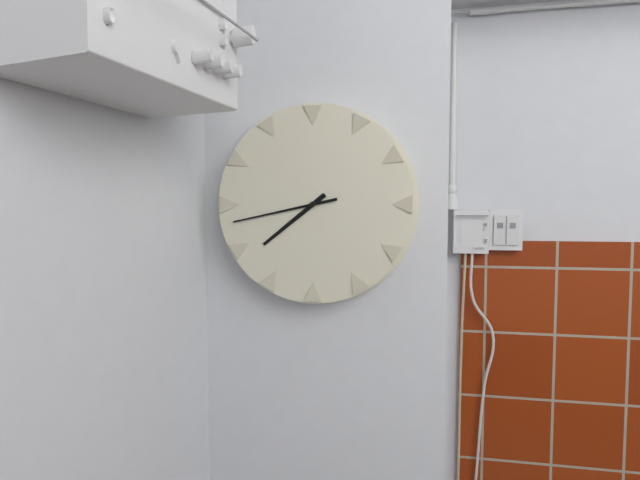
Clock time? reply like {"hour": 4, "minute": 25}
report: {"hour": 7, "minute": 43}
